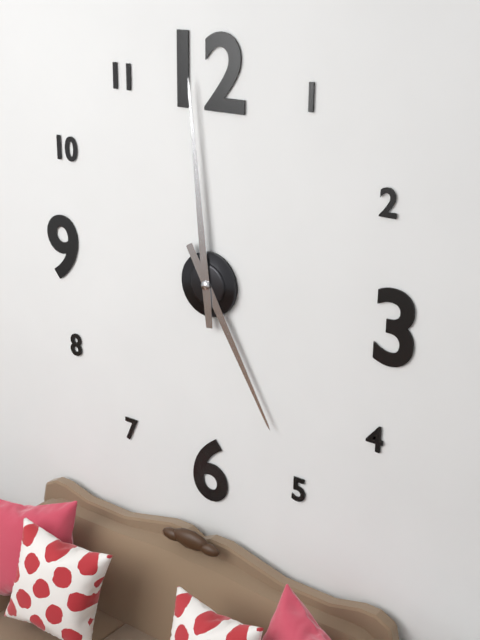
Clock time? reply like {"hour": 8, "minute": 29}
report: {"hour": 4, "minute": 59}
